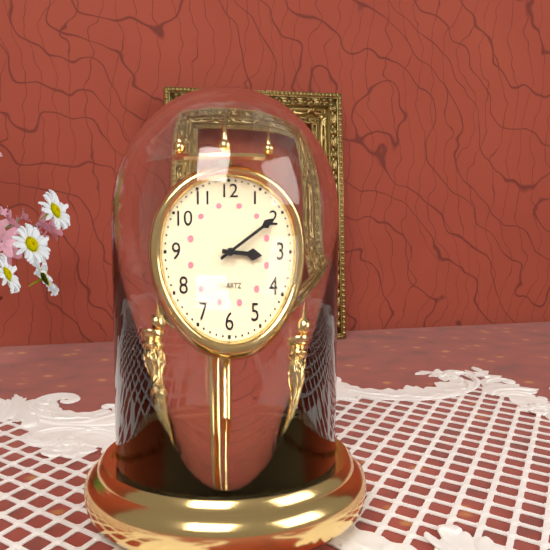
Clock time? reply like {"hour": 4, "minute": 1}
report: {"hour": 3, "minute": 10}
